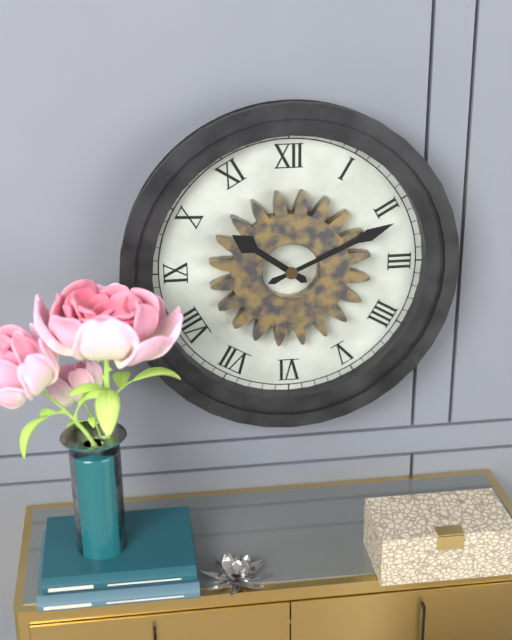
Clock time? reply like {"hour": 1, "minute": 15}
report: {"hour": 10, "minute": 11}
